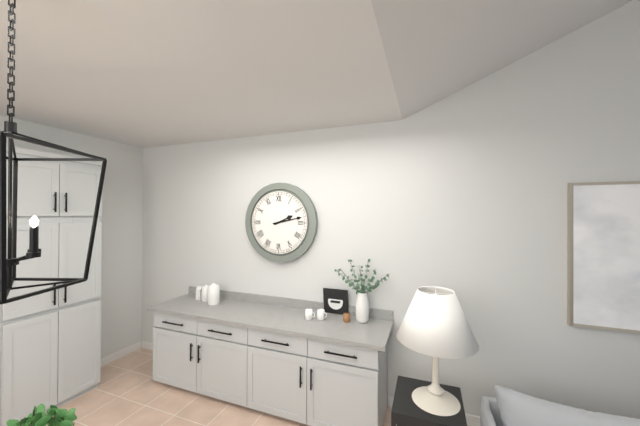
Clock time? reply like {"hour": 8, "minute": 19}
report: {"hour": 2, "minute": 13}
